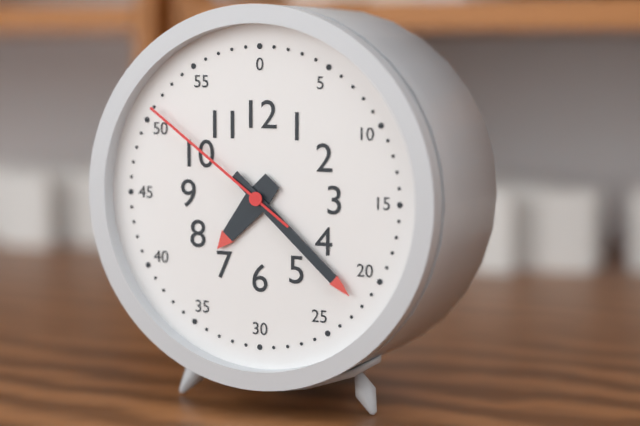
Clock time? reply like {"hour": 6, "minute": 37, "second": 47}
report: {"hour": 7, "minute": 22, "second": 51}
